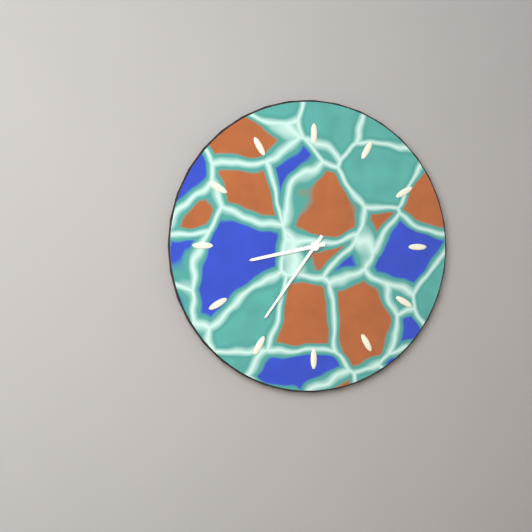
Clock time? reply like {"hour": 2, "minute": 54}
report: {"hour": 8, "minute": 36}
